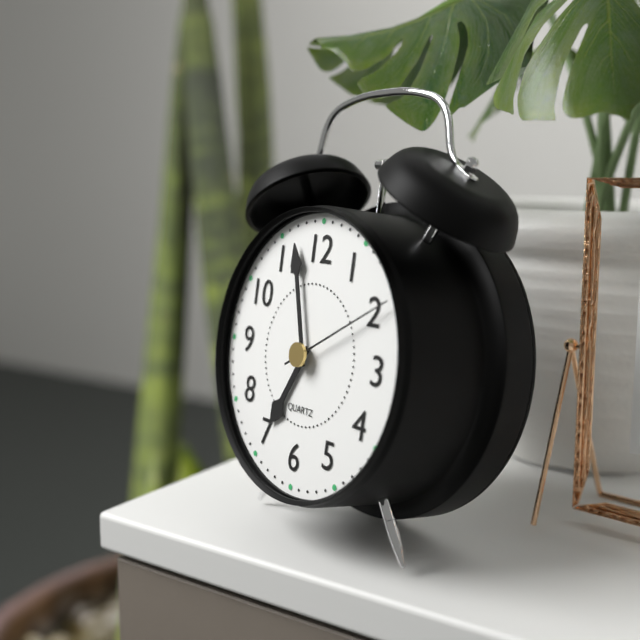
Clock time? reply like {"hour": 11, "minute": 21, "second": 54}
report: {"hour": 6, "minute": 57, "second": 10}
